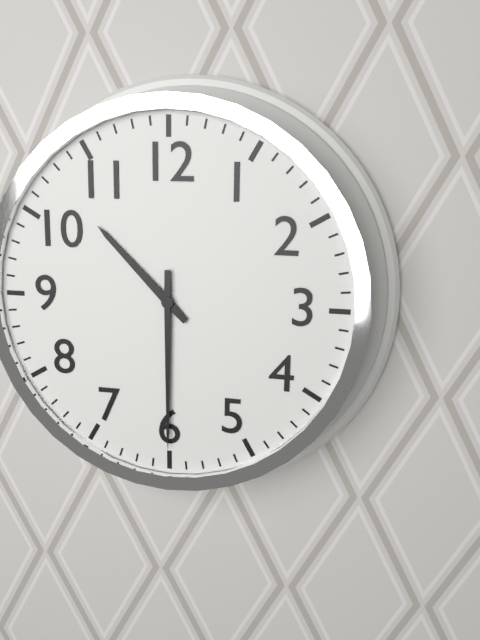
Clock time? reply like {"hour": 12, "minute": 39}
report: {"hour": 10, "minute": 30}
